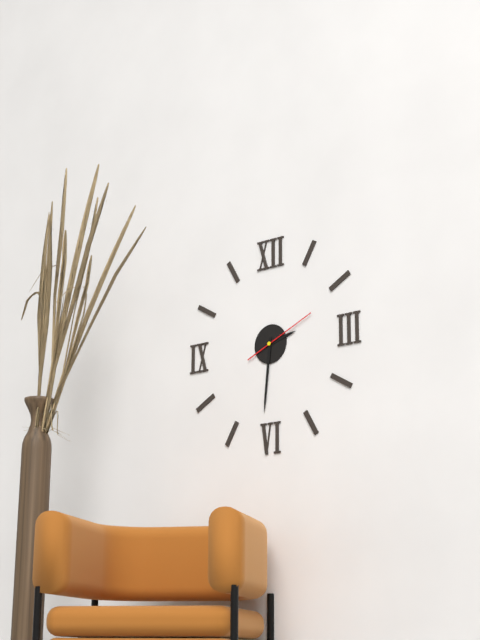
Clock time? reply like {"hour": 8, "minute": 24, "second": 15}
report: {"hour": 2, "minute": 31, "second": 11}
